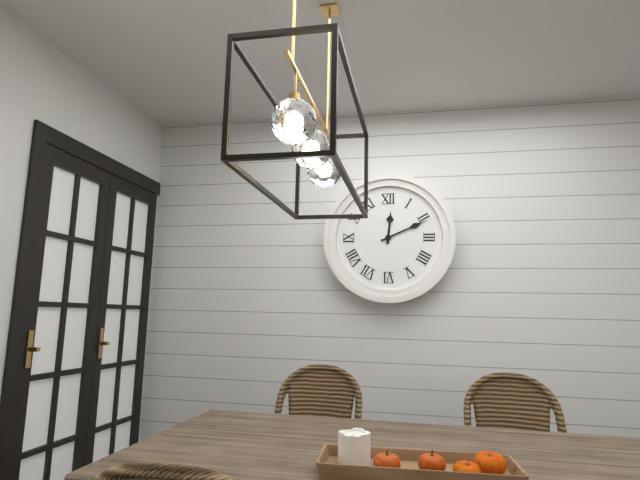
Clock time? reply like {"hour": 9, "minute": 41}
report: {"hour": 12, "minute": 11}
